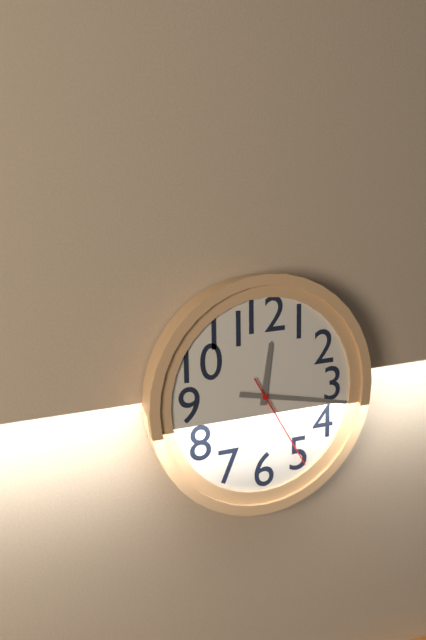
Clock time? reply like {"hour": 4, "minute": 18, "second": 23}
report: {"hour": 12, "minute": 17, "second": 25}
